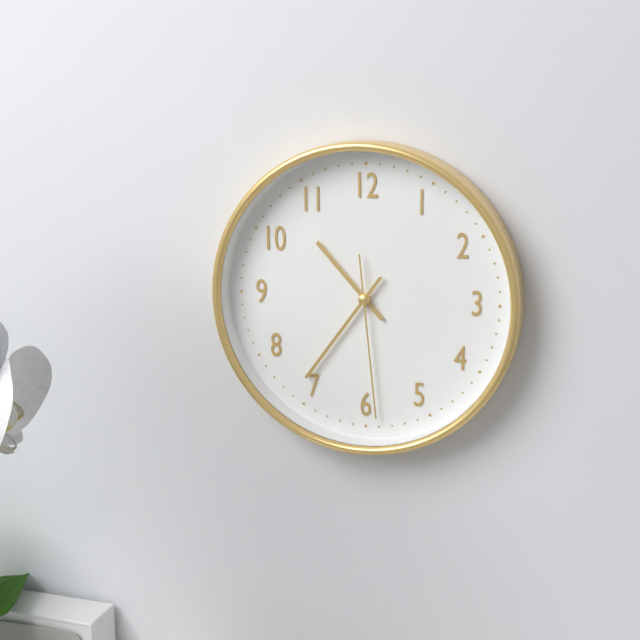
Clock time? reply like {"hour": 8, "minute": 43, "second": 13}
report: {"hour": 10, "minute": 36, "second": 29}
